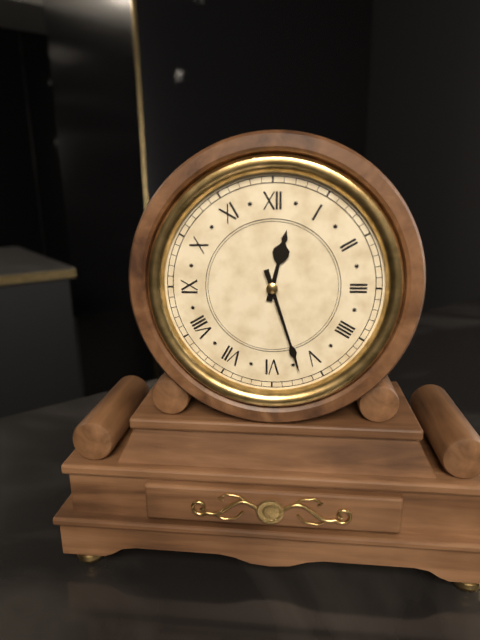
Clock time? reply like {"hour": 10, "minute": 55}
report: {"hour": 12, "minute": 27}
